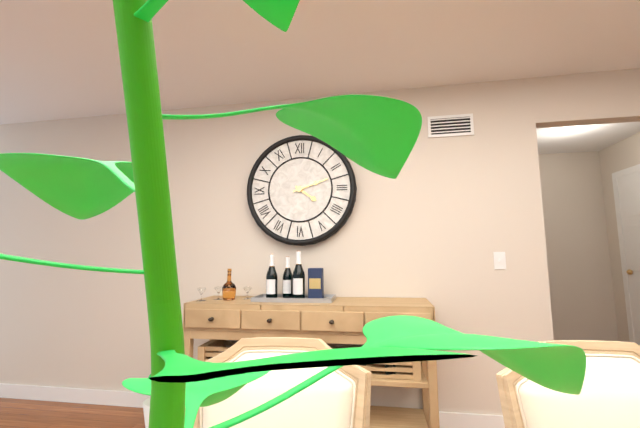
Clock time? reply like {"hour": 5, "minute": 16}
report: {"hour": 4, "minute": 12}
